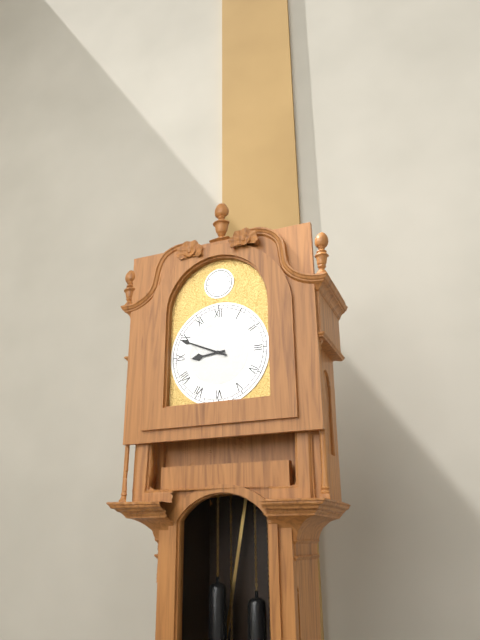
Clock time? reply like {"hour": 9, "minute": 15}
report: {"hour": 8, "minute": 49}
